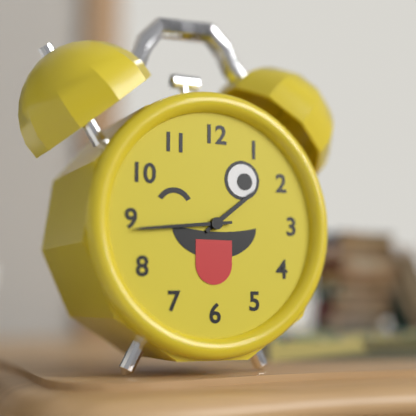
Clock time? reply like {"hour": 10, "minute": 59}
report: {"hour": 1, "minute": 44}
